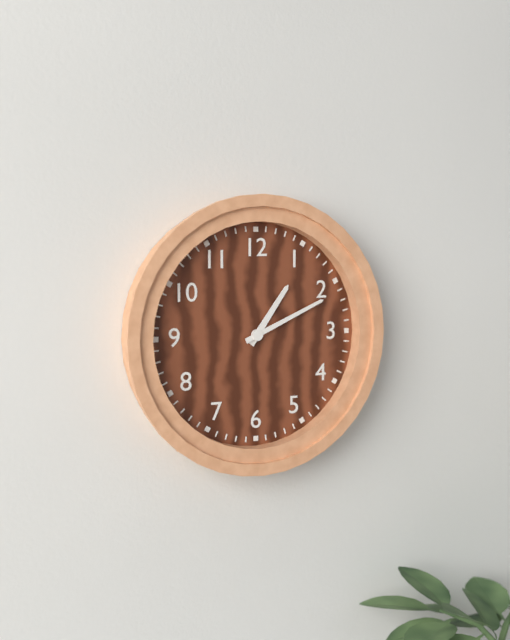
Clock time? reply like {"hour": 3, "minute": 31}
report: {"hour": 1, "minute": 11}
